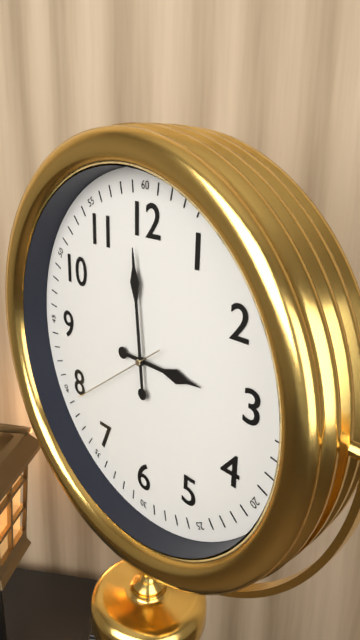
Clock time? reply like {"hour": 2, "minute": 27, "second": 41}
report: {"hour": 2, "minute": 59, "second": 39}
